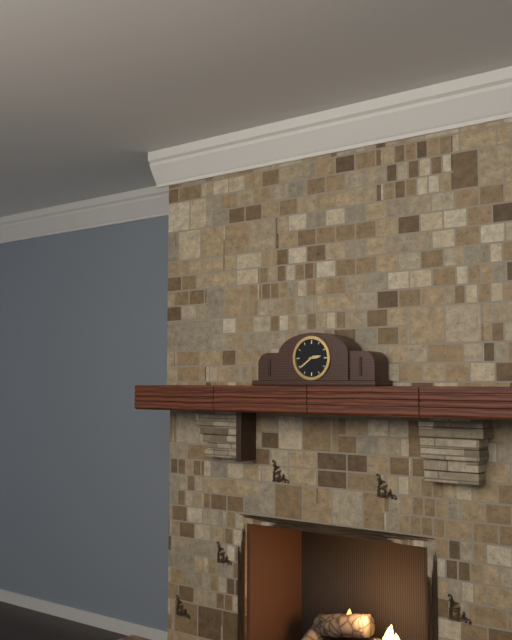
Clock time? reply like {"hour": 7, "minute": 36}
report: {"hour": 2, "minute": 39}
